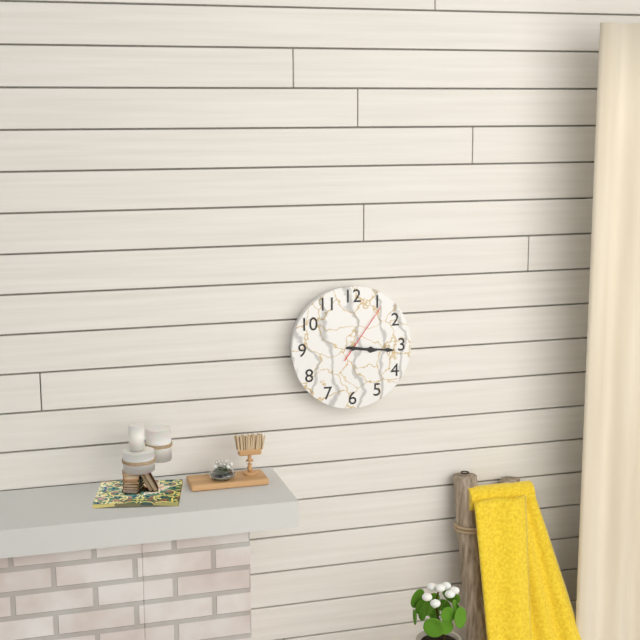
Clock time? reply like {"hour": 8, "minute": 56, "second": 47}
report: {"hour": 3, "minute": 16, "second": 6}
